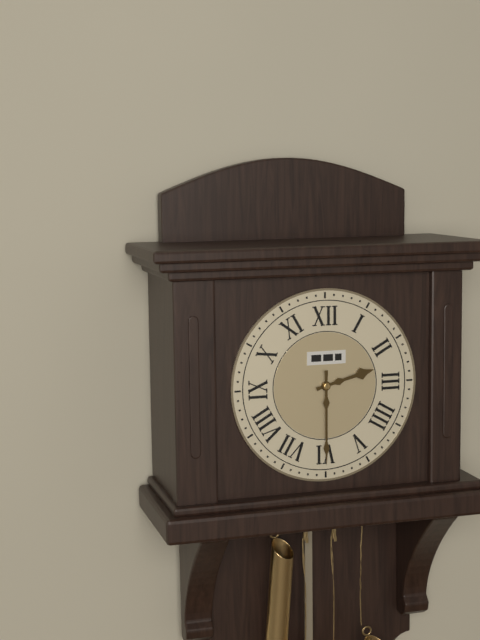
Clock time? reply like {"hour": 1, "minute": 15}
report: {"hour": 2, "minute": 30}
